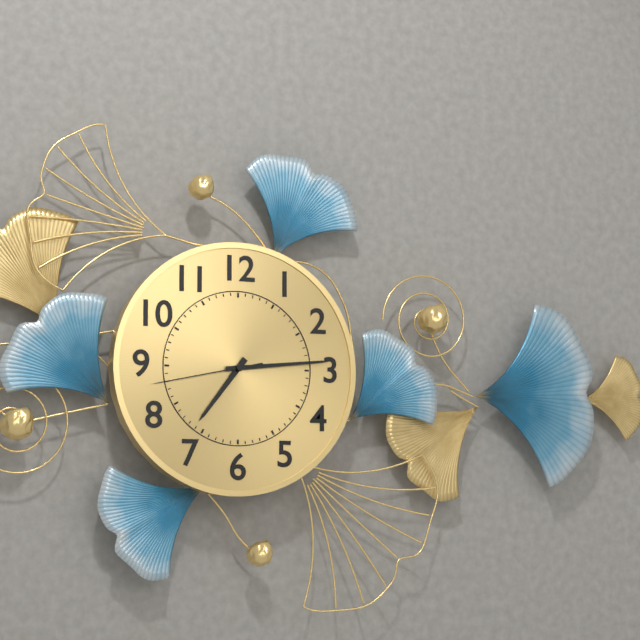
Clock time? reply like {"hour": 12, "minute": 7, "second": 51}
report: {"hour": 7, "minute": 14, "second": 43}
